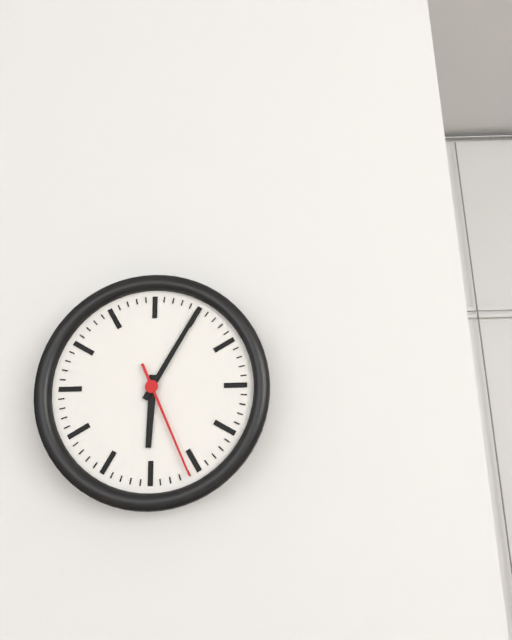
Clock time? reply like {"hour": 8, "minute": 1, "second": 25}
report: {"hour": 6, "minute": 5, "second": 26}
